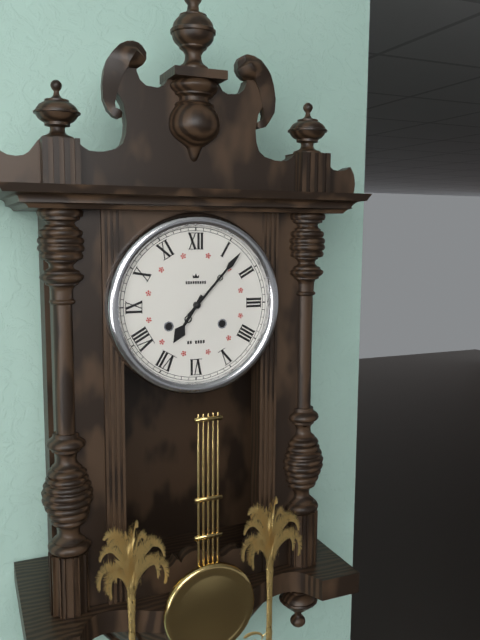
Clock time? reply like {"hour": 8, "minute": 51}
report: {"hour": 7, "minute": 7}
